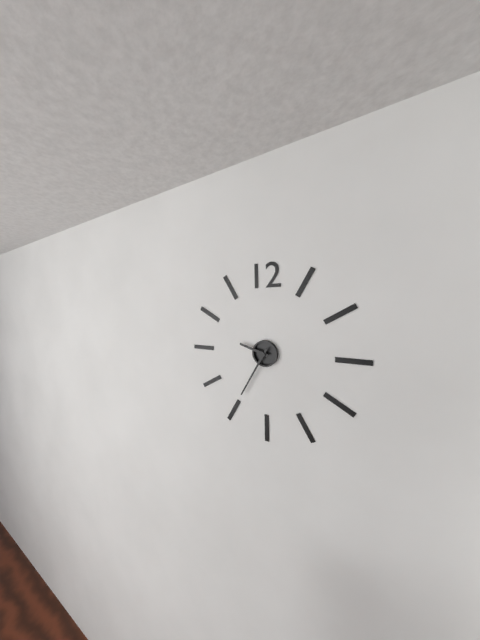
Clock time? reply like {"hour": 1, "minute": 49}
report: {"hour": 9, "minute": 35}
